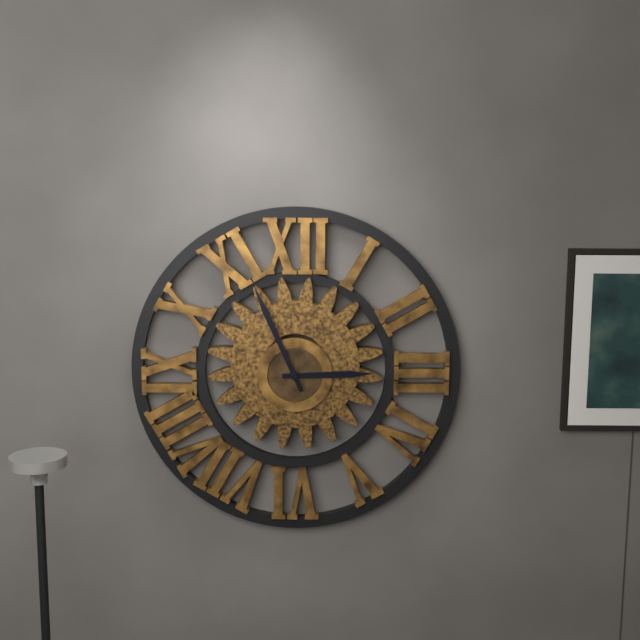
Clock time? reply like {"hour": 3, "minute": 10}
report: {"hour": 2, "minute": 56}
